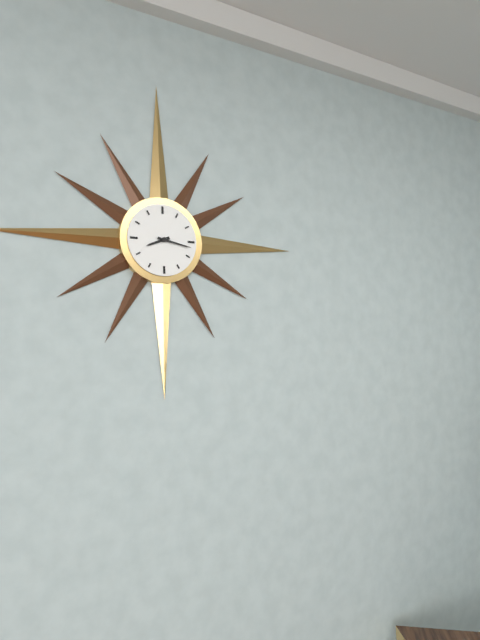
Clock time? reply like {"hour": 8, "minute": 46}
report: {"hour": 8, "minute": 17}
